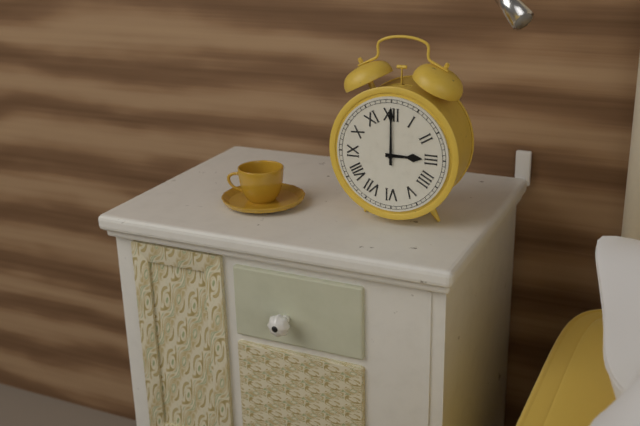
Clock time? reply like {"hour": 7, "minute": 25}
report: {"hour": 3, "minute": 0}
